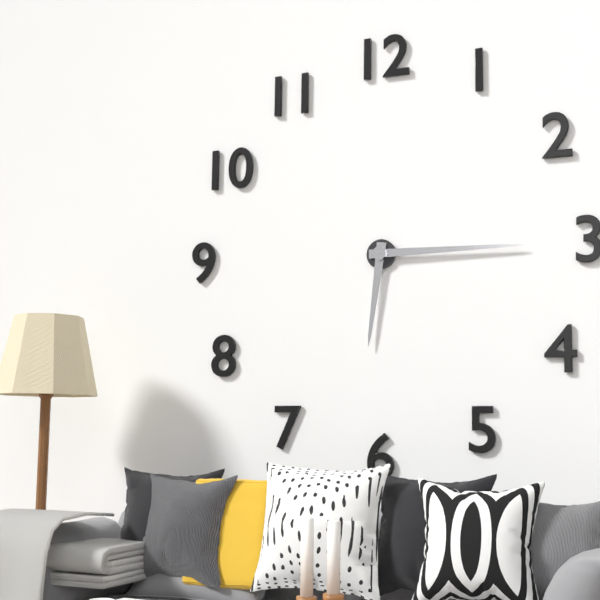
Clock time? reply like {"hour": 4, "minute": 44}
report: {"hour": 6, "minute": 15}
